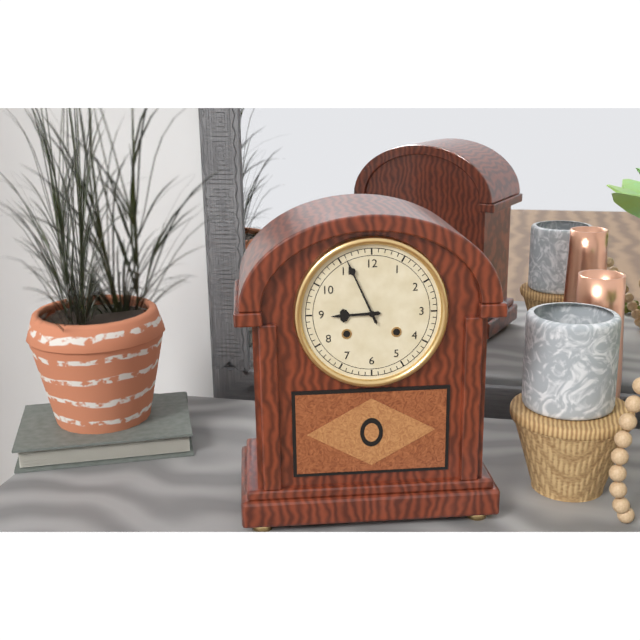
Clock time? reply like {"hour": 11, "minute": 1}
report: {"hour": 8, "minute": 56}
